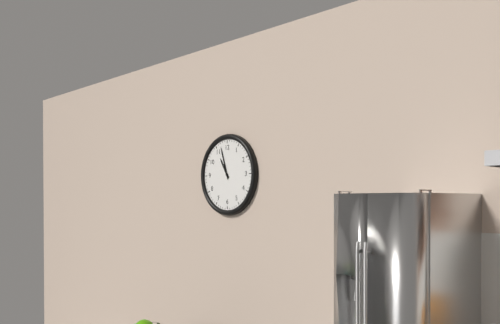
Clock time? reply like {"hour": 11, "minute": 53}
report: {"hour": 10, "minute": 57}
